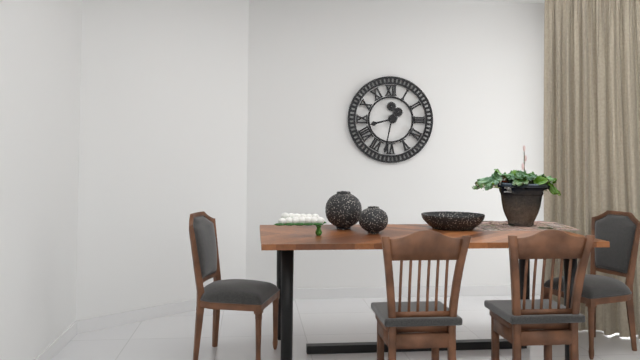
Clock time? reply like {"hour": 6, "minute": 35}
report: {"hour": 8, "minute": 32}
